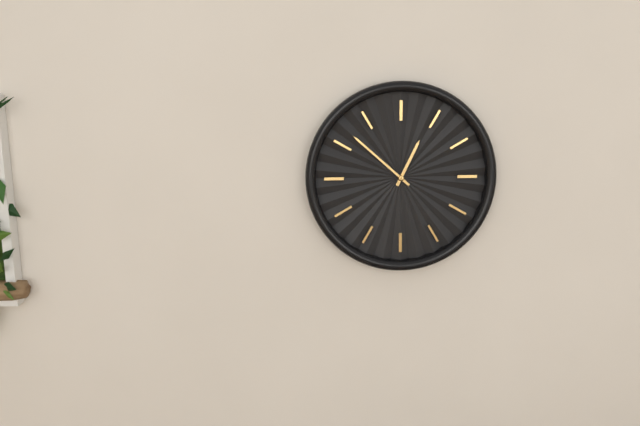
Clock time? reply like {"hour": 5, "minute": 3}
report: {"hour": 12, "minute": 52}
